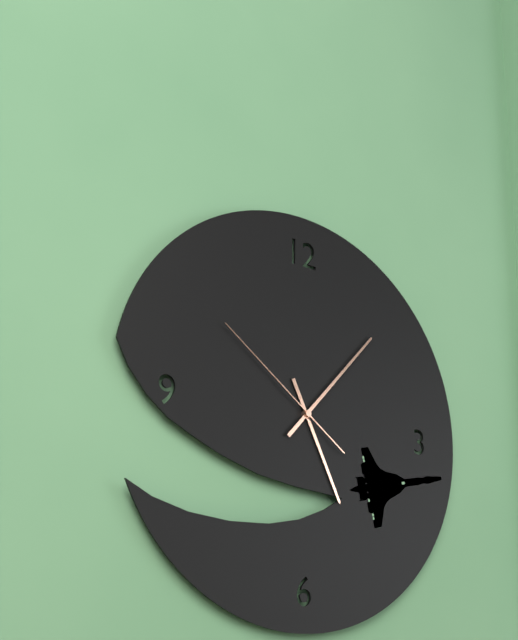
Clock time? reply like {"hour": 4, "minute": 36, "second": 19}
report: {"hour": 5, "minute": 7, "second": 51}
